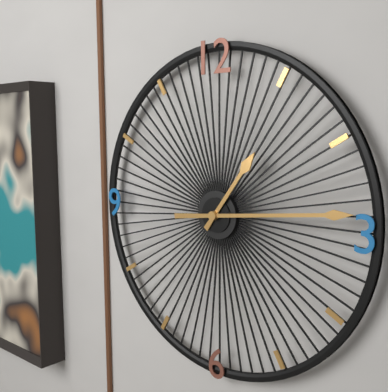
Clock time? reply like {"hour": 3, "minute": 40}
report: {"hour": 1, "minute": 14}
